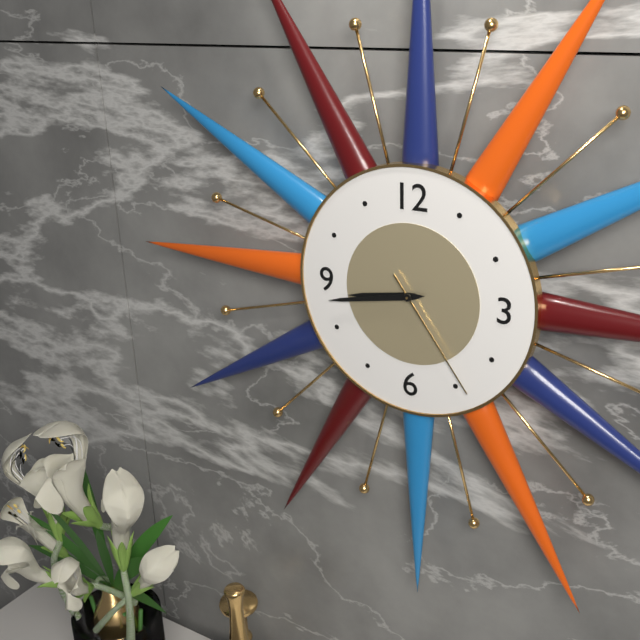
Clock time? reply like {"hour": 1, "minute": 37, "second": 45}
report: {"hour": 8, "minute": 43, "second": 24}
